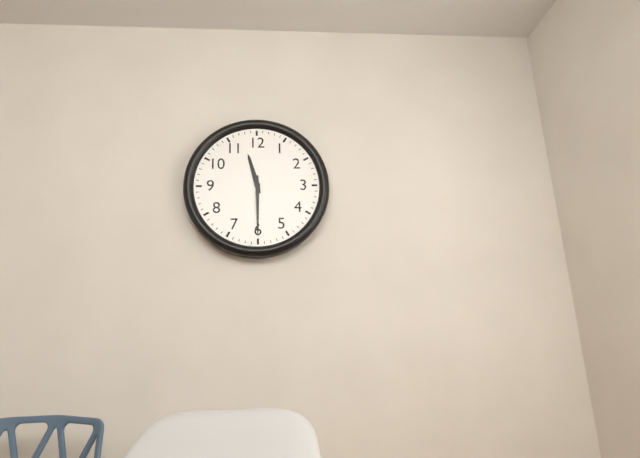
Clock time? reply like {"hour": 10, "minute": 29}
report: {"hour": 11, "minute": 30}
